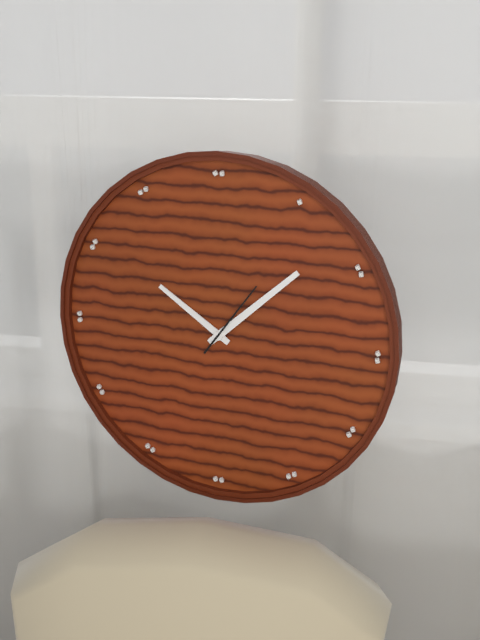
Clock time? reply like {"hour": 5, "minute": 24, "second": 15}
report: {"hour": 10, "minute": 8, "second": 6}
